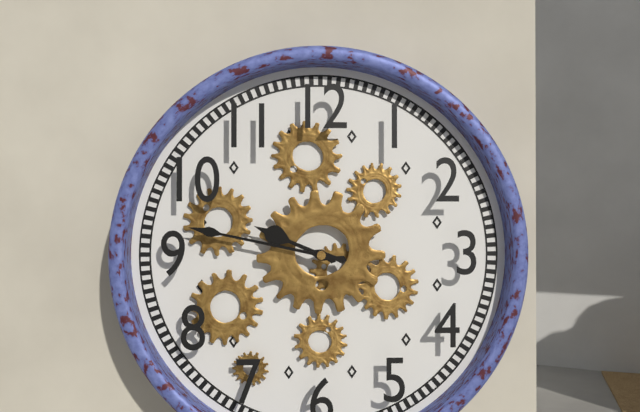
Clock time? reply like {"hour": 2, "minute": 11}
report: {"hour": 9, "minute": 47}
